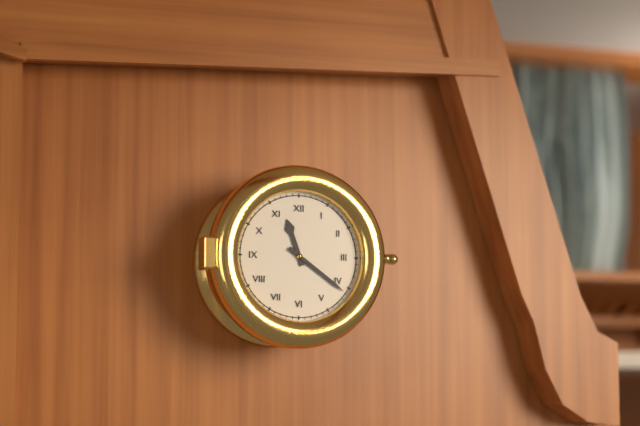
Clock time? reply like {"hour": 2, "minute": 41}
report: {"hour": 11, "minute": 21}
